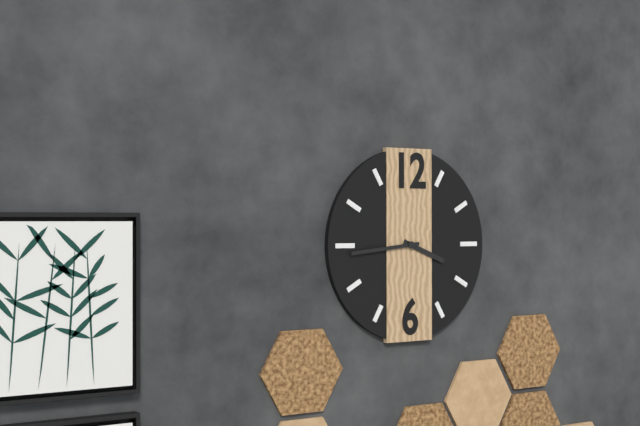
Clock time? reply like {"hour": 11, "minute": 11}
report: {"hour": 3, "minute": 44}
